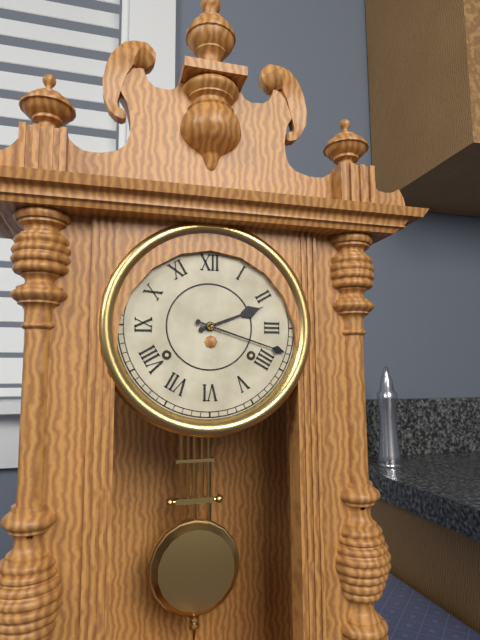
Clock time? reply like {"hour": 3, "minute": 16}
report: {"hour": 2, "minute": 18}
